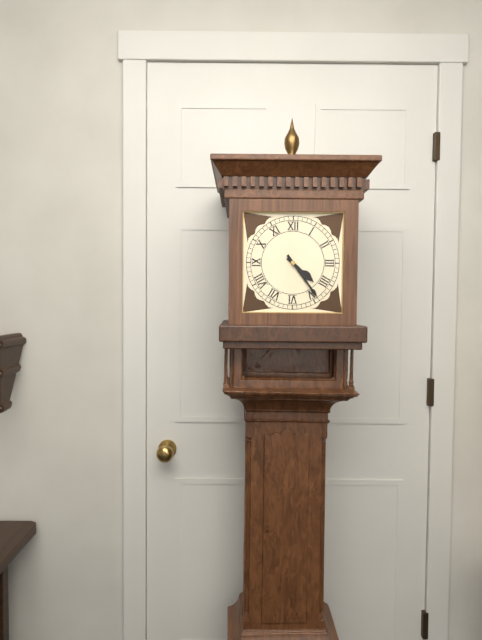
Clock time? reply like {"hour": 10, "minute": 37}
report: {"hour": 4, "minute": 24}
